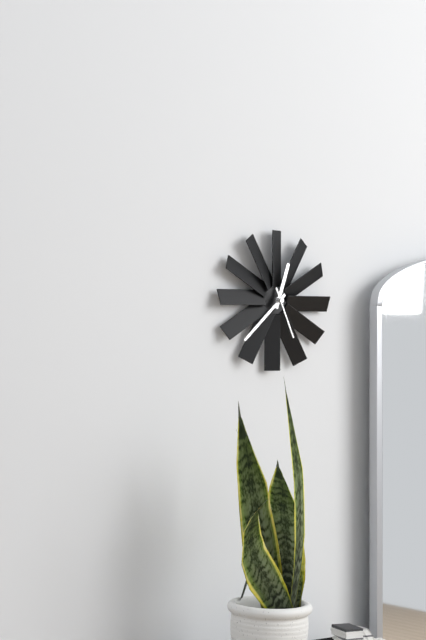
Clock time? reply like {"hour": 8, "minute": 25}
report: {"hour": 12, "minute": 38}
